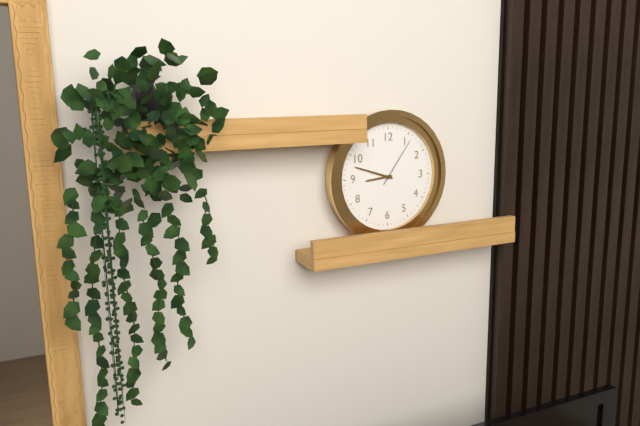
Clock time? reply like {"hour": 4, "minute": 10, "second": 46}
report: {"hour": 8, "minute": 48, "second": 6}
